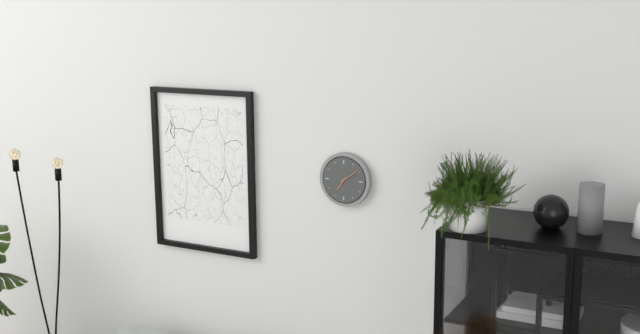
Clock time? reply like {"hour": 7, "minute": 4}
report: {"hour": 7, "minute": 9}
